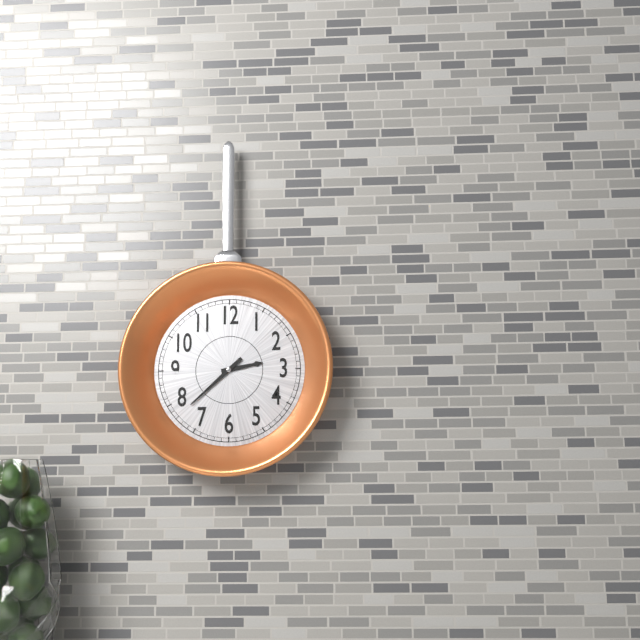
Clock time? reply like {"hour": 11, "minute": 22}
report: {"hour": 2, "minute": 38}
